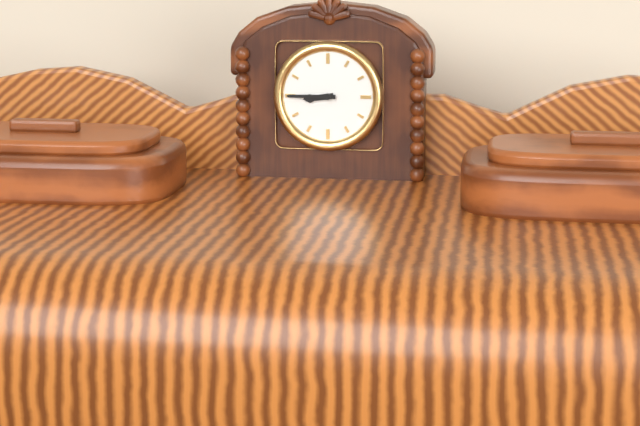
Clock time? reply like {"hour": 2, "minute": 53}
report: {"hour": 8, "minute": 45}
